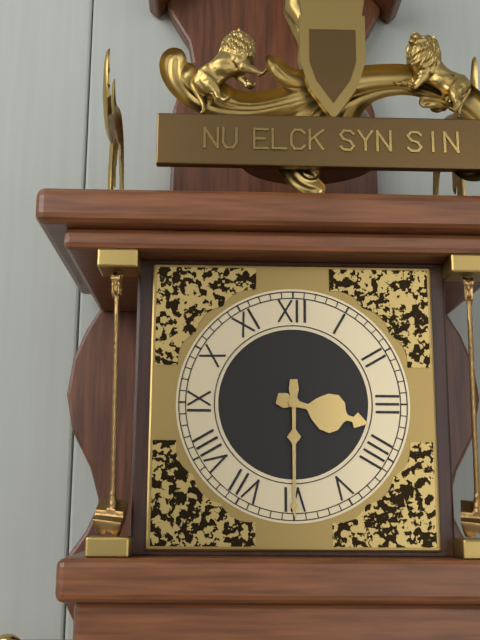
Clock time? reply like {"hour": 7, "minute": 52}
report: {"hour": 3, "minute": 30}
